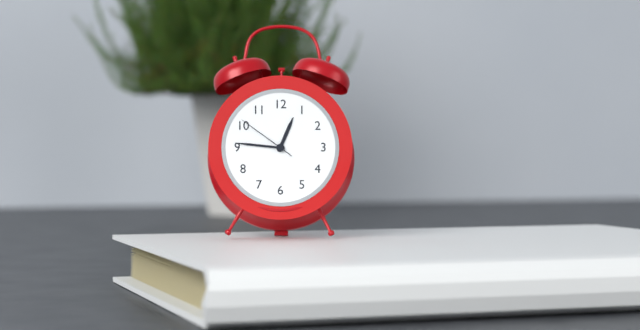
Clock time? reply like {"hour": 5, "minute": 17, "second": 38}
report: {"hour": 12, "minute": 46, "second": 51}
